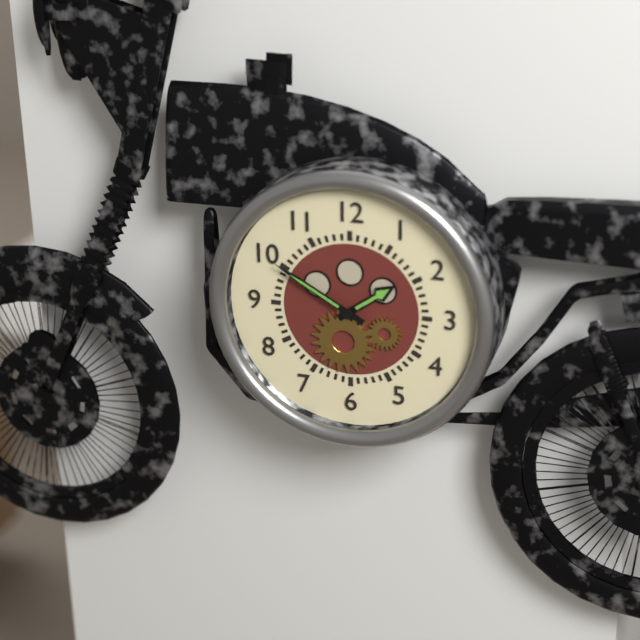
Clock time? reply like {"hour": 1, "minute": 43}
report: {"hour": 1, "minute": 50}
